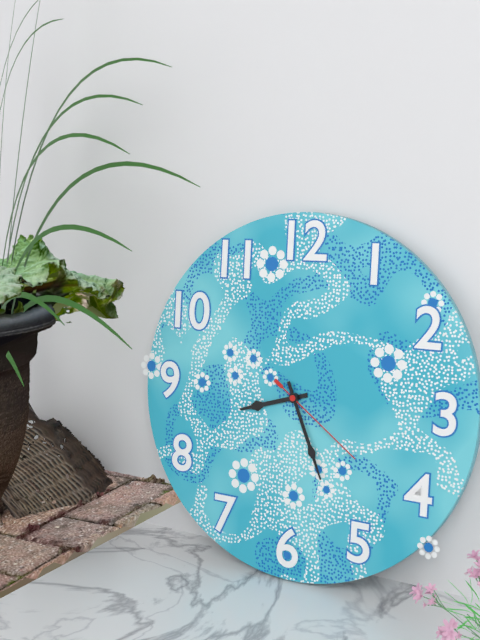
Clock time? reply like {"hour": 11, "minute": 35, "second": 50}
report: {"hour": 8, "minute": 26, "second": 21}
